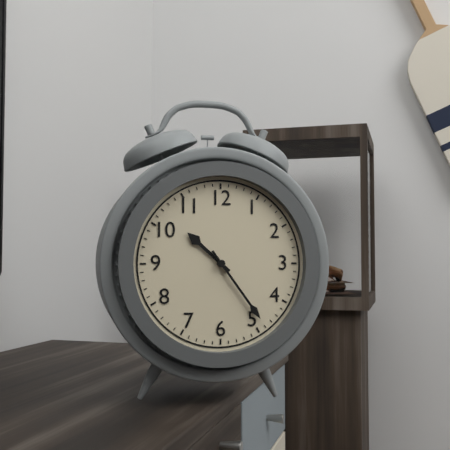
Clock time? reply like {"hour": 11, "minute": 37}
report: {"hour": 10, "minute": 24}
